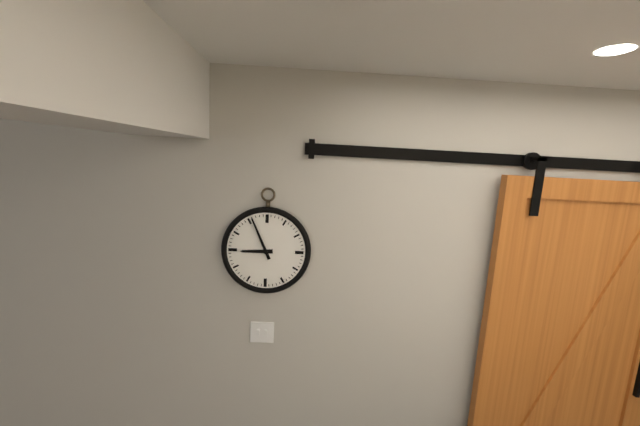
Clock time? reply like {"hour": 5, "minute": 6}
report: {"hour": 8, "minute": 56}
